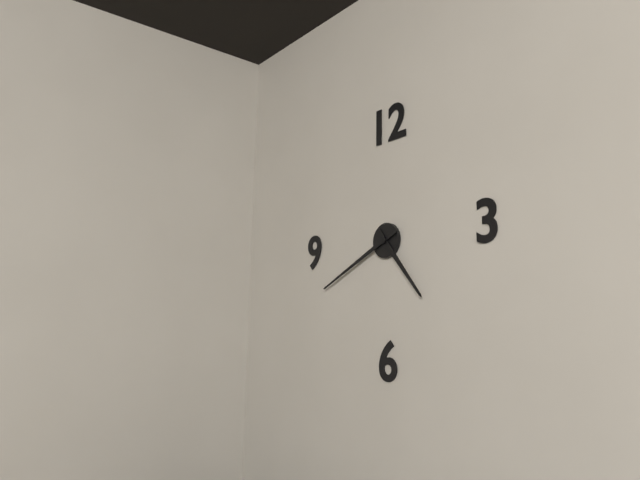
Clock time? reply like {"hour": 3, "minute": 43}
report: {"hour": 4, "minute": 41}
